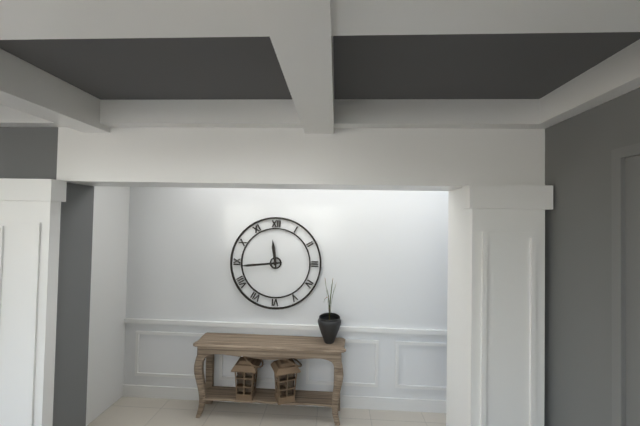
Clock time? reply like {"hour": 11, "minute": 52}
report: {"hour": 11, "minute": 44}
